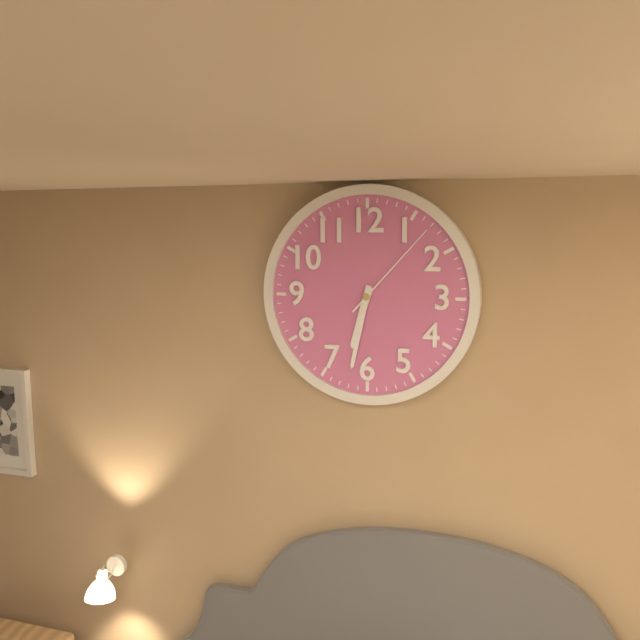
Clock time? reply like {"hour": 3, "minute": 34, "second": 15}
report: {"hour": 6, "minute": 32, "second": 7}
